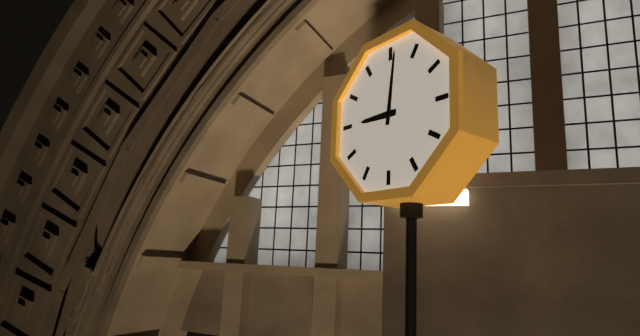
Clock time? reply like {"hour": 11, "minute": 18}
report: {"hour": 9, "minute": 1}
